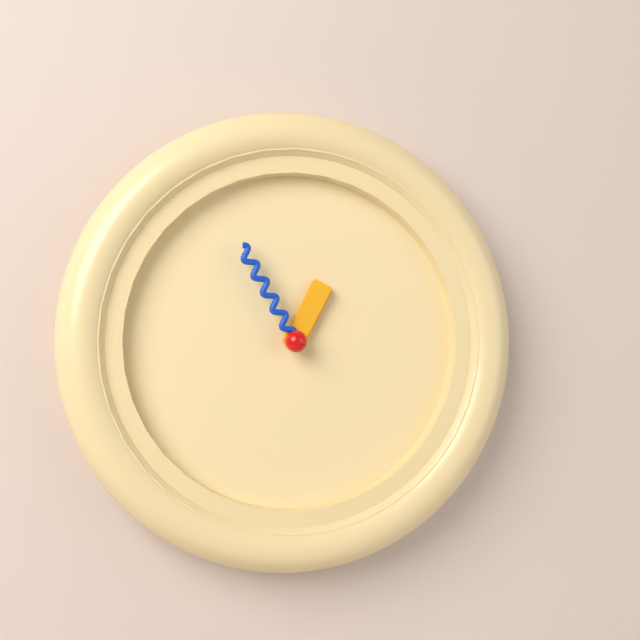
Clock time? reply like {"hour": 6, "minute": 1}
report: {"hour": 12, "minute": 55}
